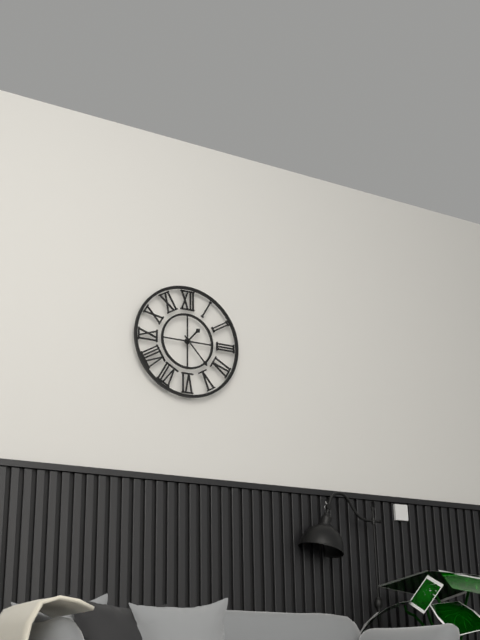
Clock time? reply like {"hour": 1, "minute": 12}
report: {"hour": 1, "minute": 23}
